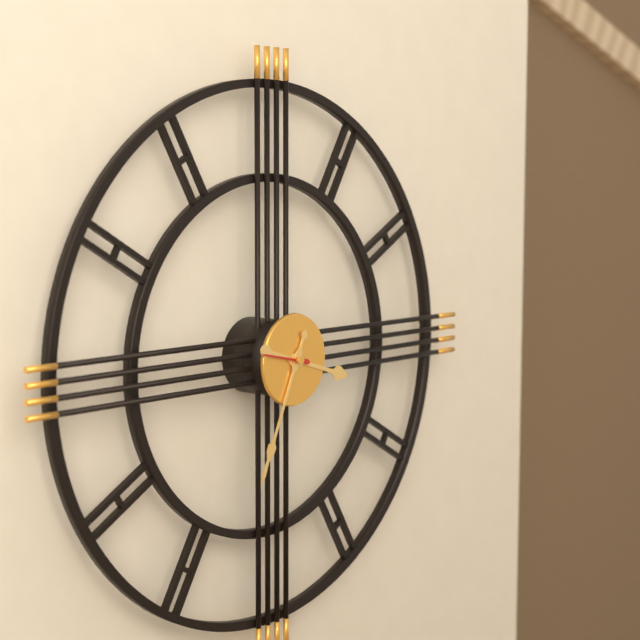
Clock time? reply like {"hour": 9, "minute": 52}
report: {"hour": 3, "minute": 34}
